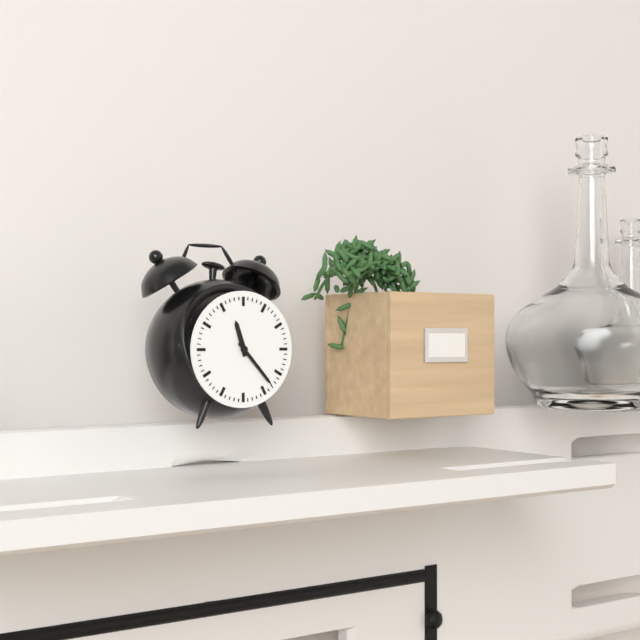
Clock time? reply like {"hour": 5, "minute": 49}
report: {"hour": 11, "minute": 23}
